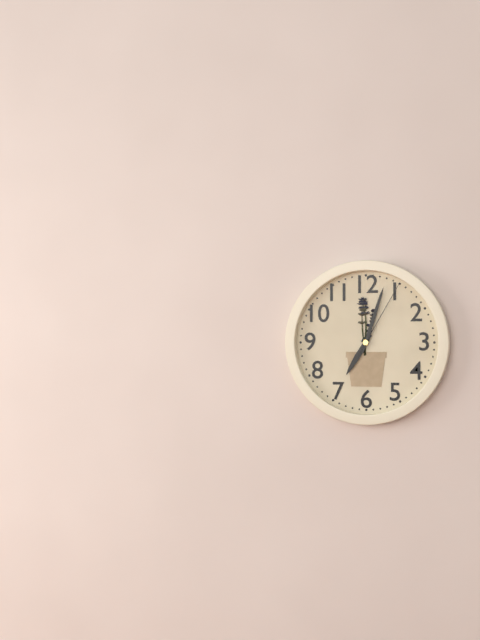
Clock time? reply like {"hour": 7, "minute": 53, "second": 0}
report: {"hour": 7, "minute": 3, "second": 5}
